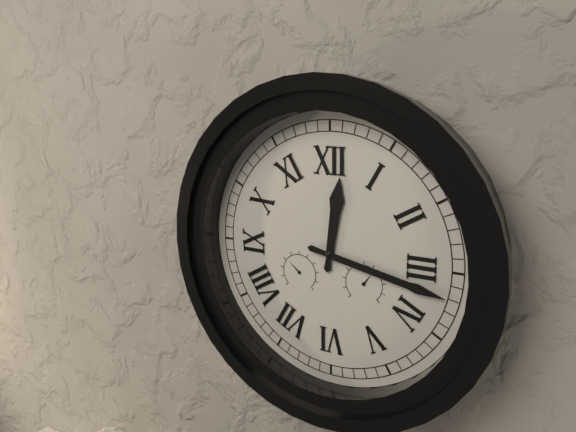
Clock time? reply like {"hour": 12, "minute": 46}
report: {"hour": 12, "minute": 17}
